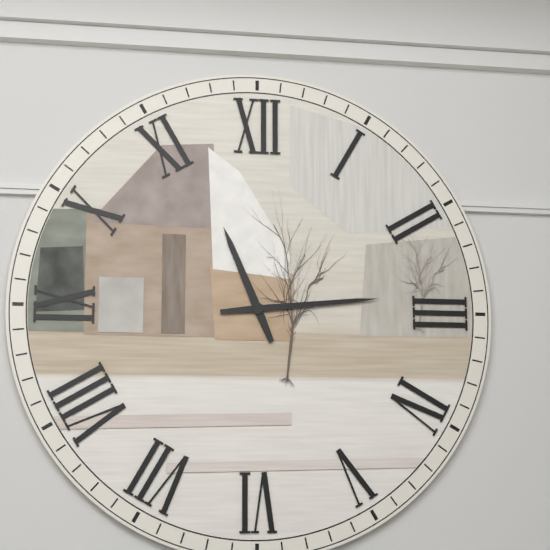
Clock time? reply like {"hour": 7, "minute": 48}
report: {"hour": 11, "minute": 14}
